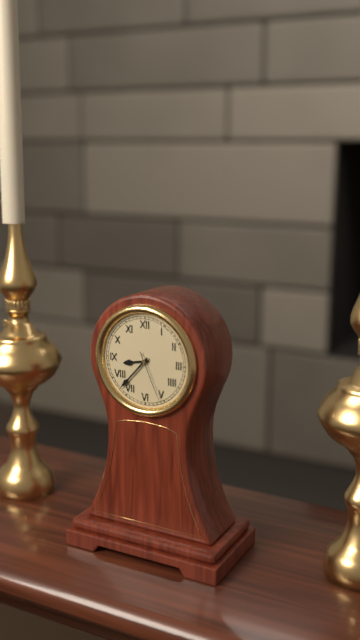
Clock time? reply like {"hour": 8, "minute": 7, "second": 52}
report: {"hour": 8, "minute": 37, "second": 26}
